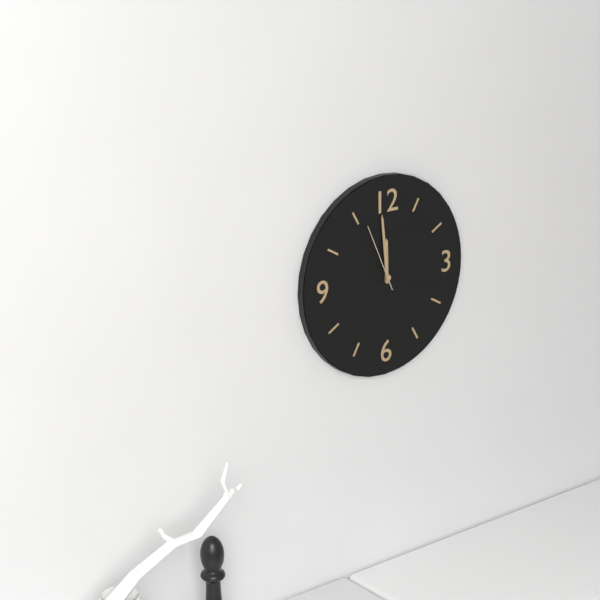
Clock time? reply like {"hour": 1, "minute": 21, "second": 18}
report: {"hour": 11, "minute": 59, "second": 56}
